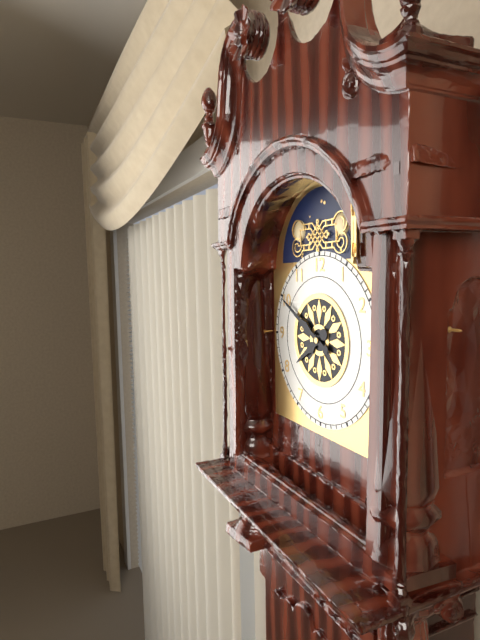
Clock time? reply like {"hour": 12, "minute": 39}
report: {"hour": 7, "minute": 50}
